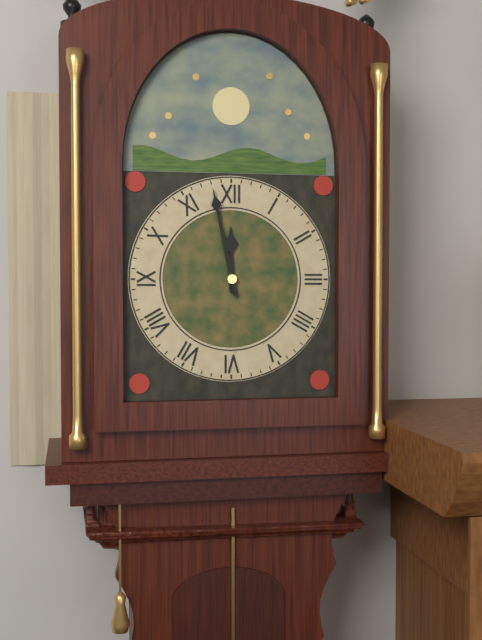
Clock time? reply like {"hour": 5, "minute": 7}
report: {"hour": 11, "minute": 58}
